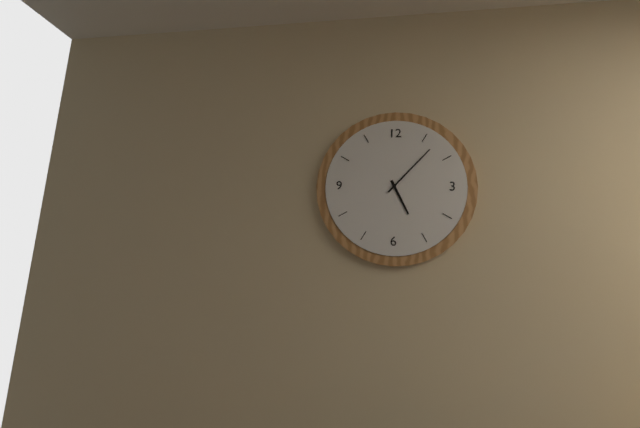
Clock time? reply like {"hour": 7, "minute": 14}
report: {"hour": 5, "minute": 7}
